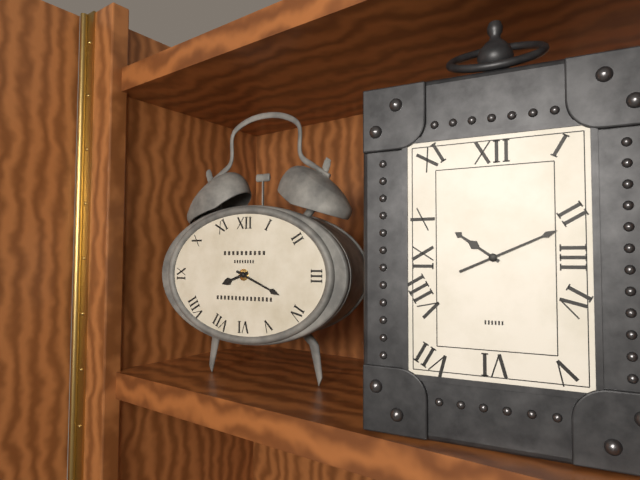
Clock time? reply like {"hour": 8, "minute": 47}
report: {"hour": 8, "minute": 19}
